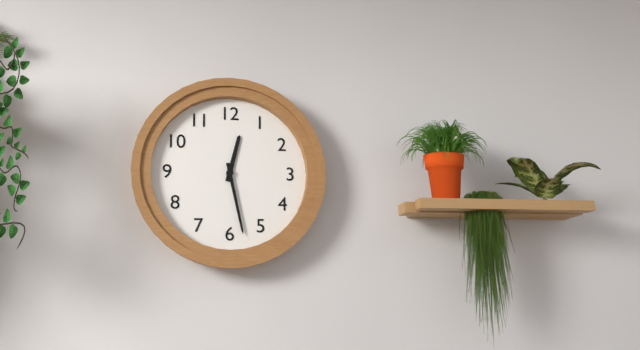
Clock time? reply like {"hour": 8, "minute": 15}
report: {"hour": 12, "minute": 28}
